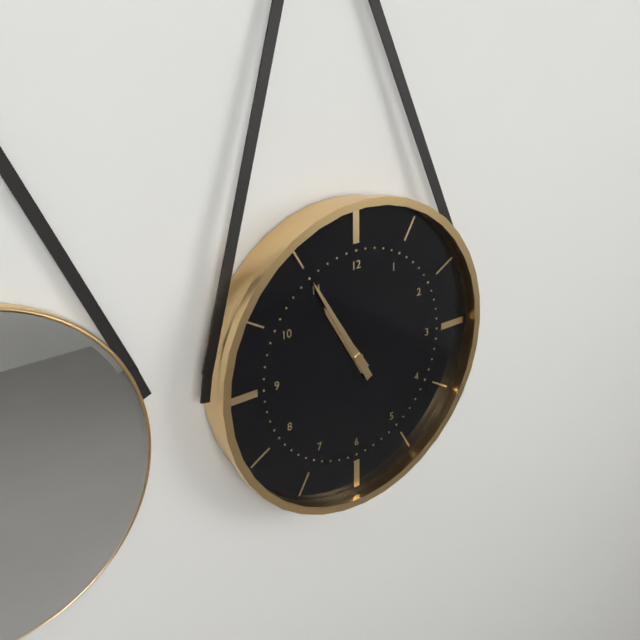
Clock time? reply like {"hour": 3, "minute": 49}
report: {"hour": 10, "minute": 55}
